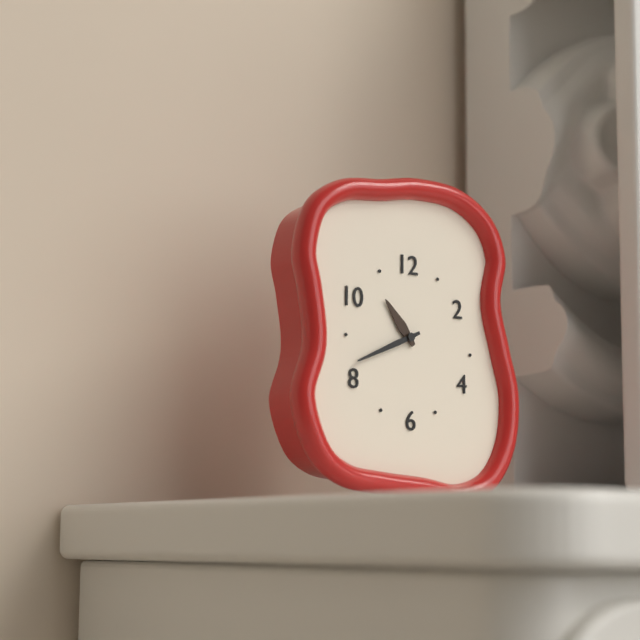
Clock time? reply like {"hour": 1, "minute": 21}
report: {"hour": 10, "minute": 41}
